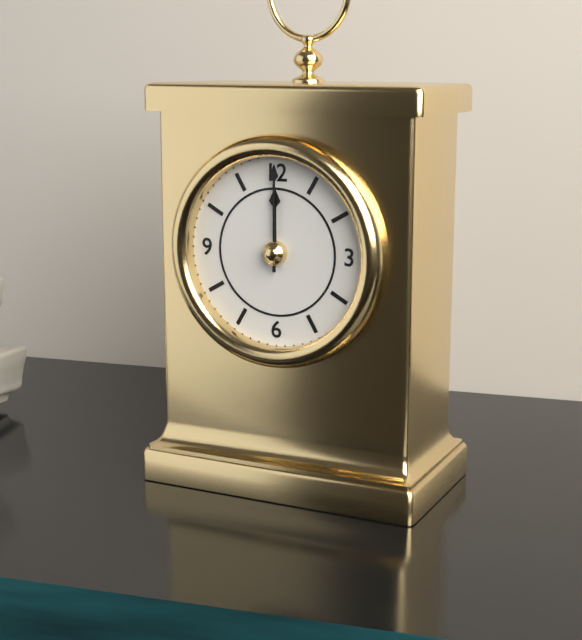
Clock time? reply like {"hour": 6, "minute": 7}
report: {"hour": 12, "minute": 0}
